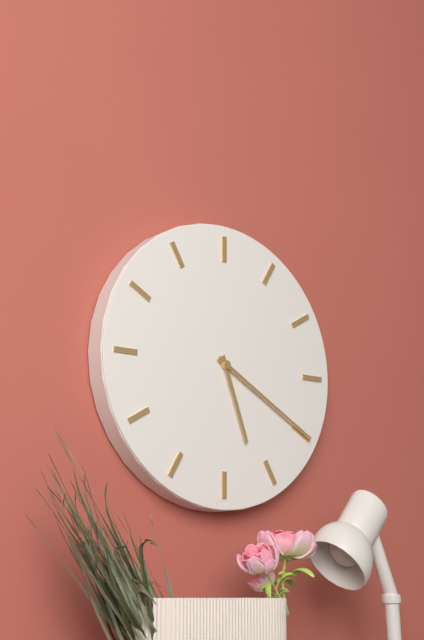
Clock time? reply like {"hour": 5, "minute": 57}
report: {"hour": 5, "minute": 20}
